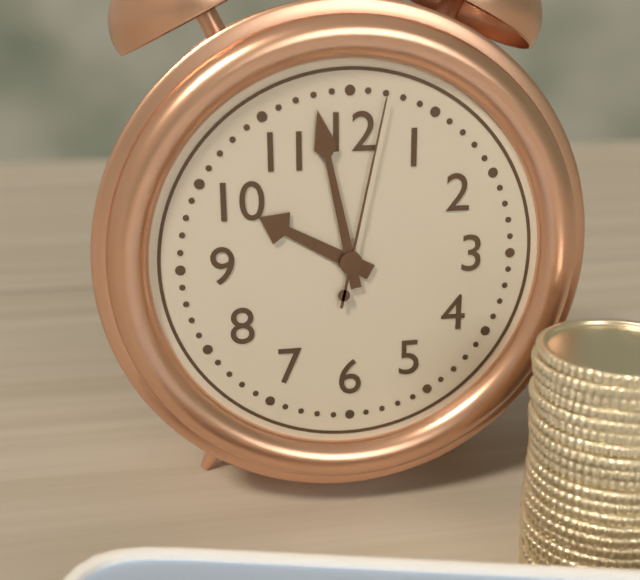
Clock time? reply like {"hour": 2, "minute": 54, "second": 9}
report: {"hour": 9, "minute": 58, "second": 2}
